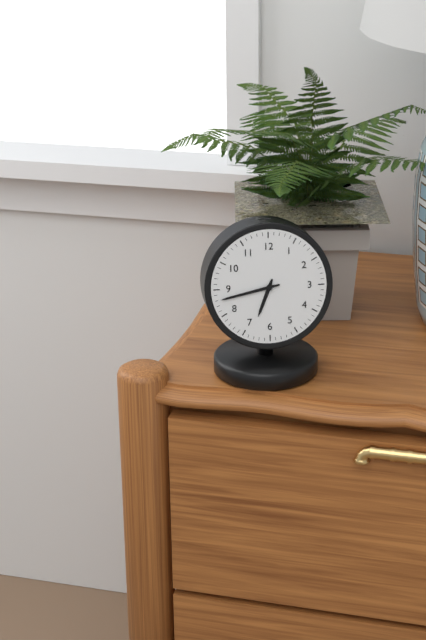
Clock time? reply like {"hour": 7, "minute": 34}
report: {"hour": 6, "minute": 43}
